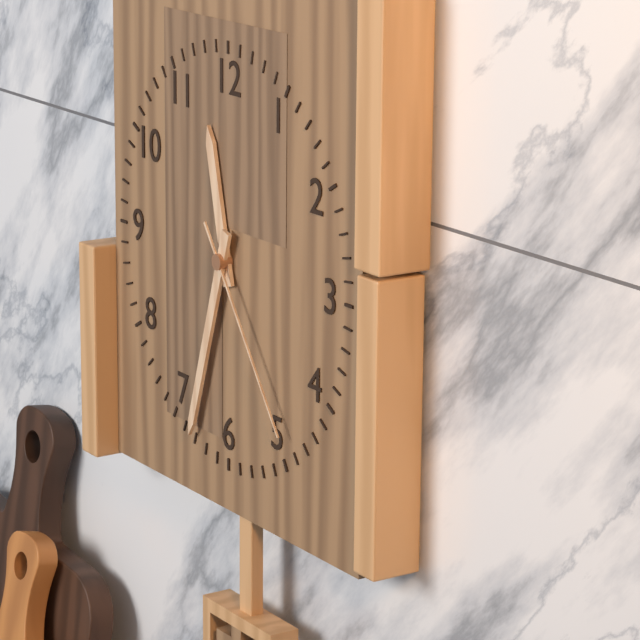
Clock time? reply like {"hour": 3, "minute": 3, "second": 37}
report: {"hour": 11, "minute": 33, "second": 24}
